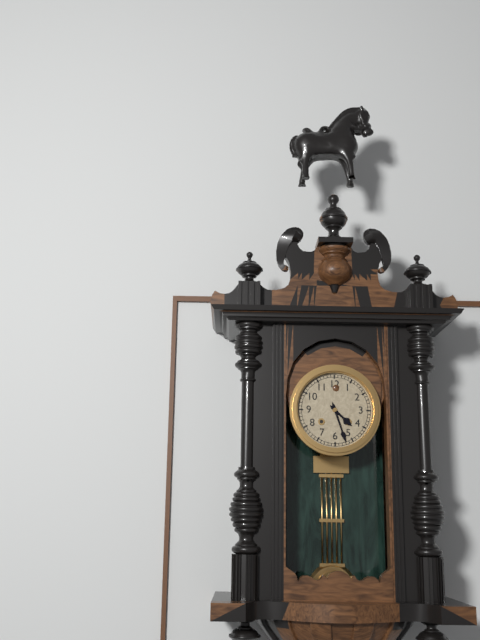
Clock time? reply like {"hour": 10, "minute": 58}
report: {"hour": 4, "minute": 27}
